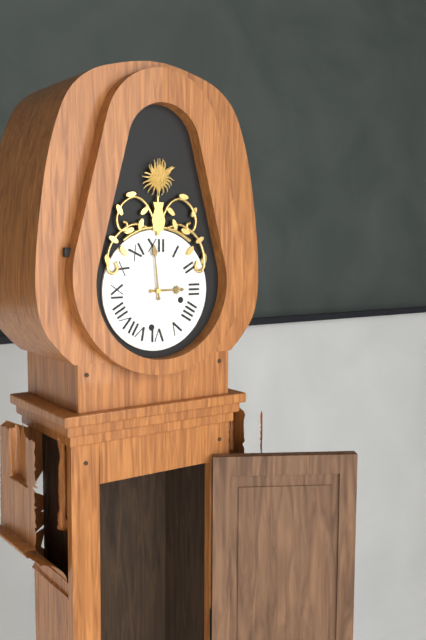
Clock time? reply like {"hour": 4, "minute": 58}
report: {"hour": 2, "minute": 59}
